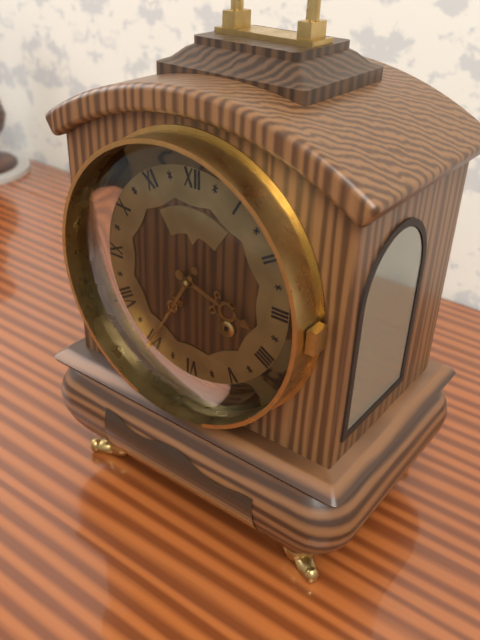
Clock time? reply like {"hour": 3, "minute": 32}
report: {"hour": 3, "minute": 35}
